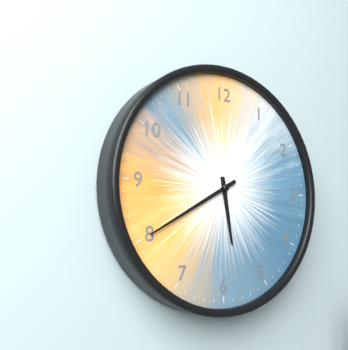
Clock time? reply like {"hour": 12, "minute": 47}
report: {"hour": 5, "minute": 40}
